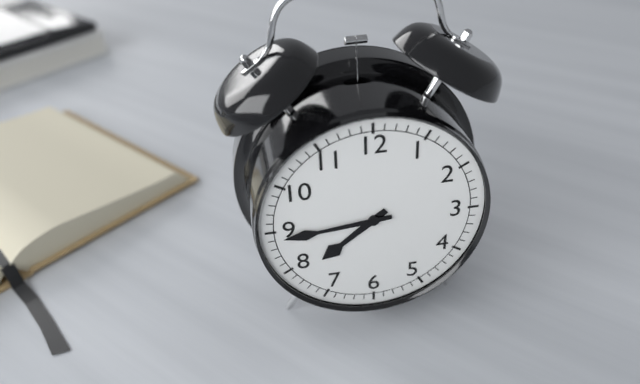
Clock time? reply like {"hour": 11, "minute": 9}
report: {"hour": 7, "minute": 44}
